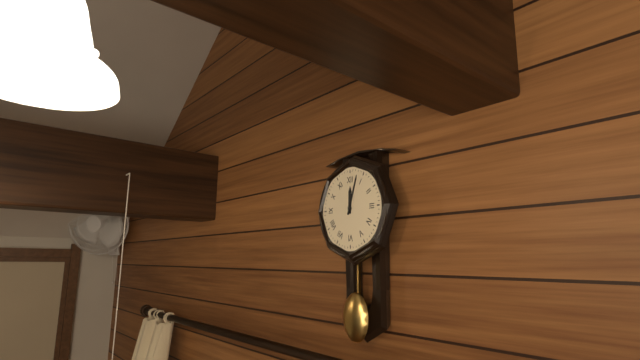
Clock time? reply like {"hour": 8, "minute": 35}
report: {"hour": 12, "minute": 3}
